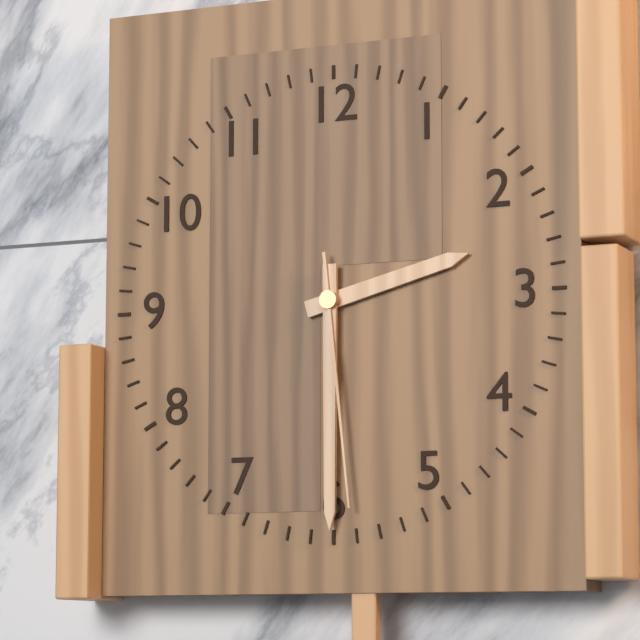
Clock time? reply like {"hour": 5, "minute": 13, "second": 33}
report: {"hour": 2, "minute": 30, "second": 29}
